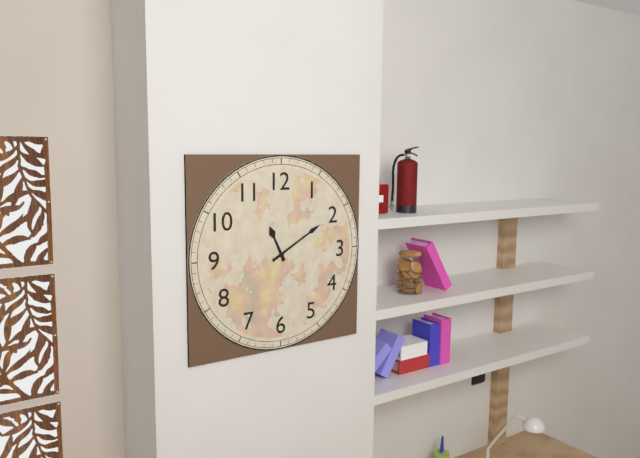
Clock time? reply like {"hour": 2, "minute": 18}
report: {"hour": 11, "minute": 10}
